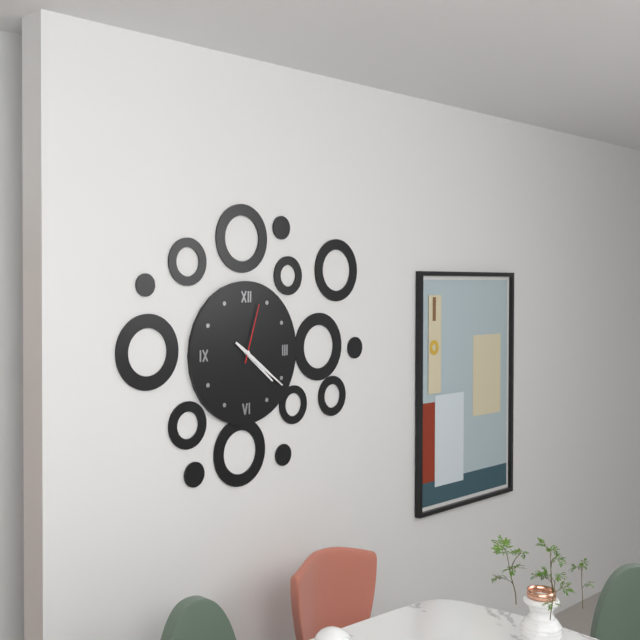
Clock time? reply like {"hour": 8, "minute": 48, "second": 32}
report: {"hour": 4, "minute": 21, "second": 3}
